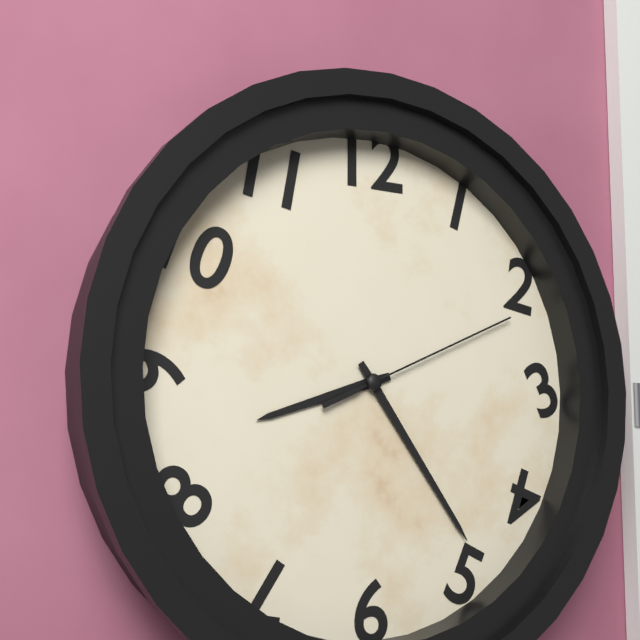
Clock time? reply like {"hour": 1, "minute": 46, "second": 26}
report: {"hour": 8, "minute": 24, "second": 11}
